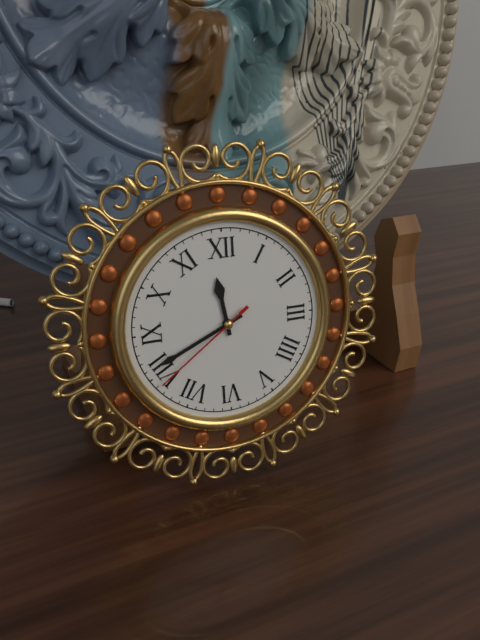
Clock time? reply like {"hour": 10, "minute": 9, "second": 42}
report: {"hour": 11, "minute": 41, "second": 39}
